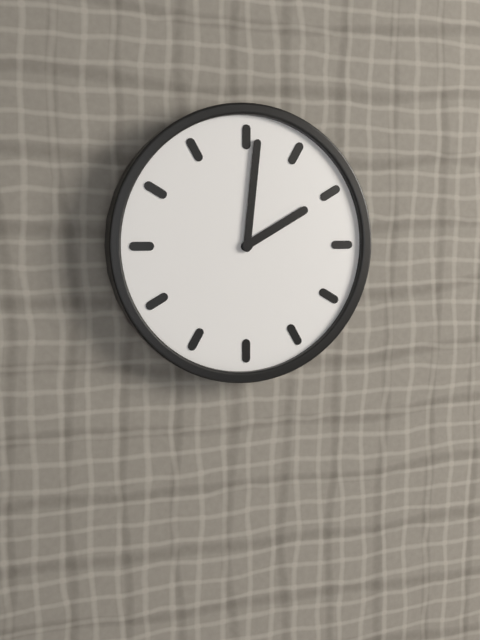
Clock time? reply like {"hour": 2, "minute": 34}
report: {"hour": 2, "minute": 1}
